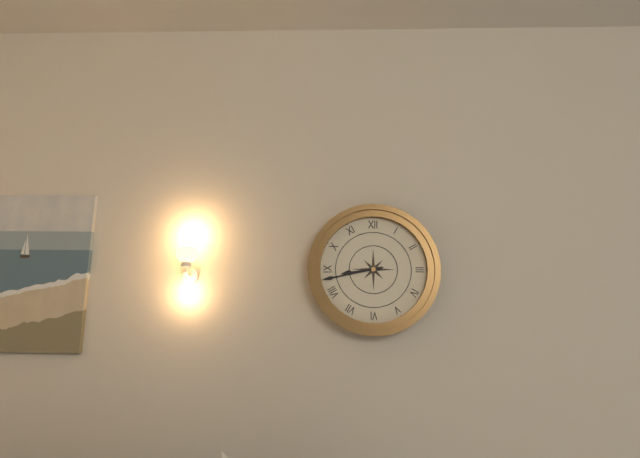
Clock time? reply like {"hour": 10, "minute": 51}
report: {"hour": 8, "minute": 43}
